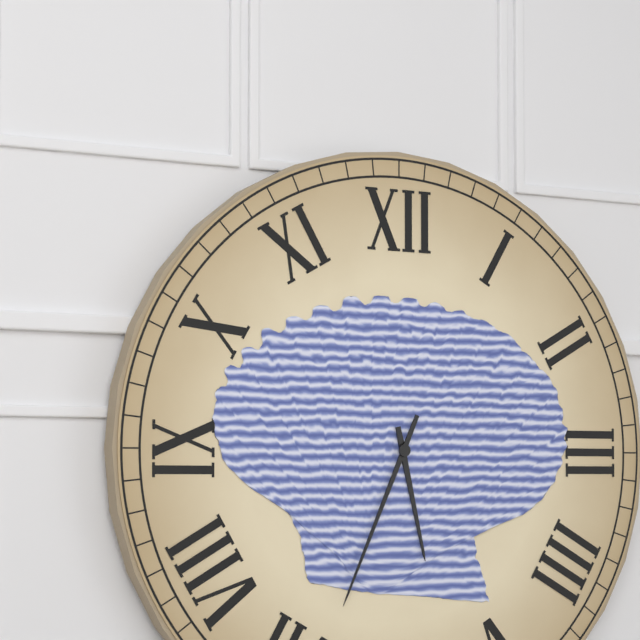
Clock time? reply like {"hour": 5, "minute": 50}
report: {"hour": 5, "minute": 34}
